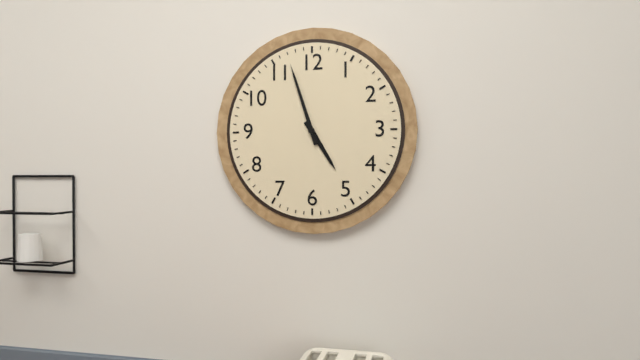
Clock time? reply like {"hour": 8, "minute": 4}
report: {"hour": 4, "minute": 57}
